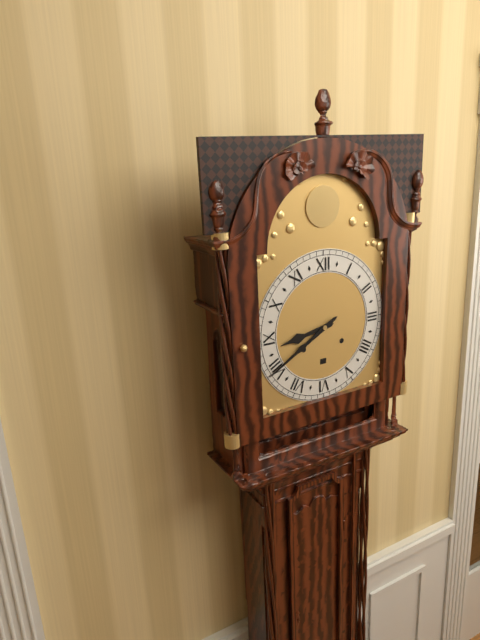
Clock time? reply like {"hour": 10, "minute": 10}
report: {"hour": 8, "minute": 40}
